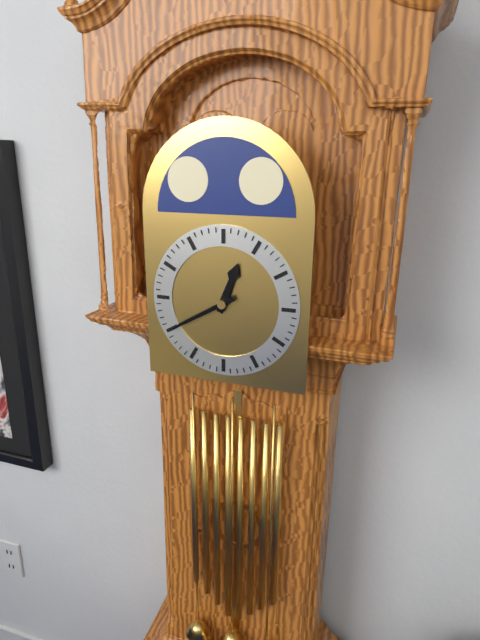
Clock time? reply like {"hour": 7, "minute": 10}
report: {"hour": 12, "minute": 40}
